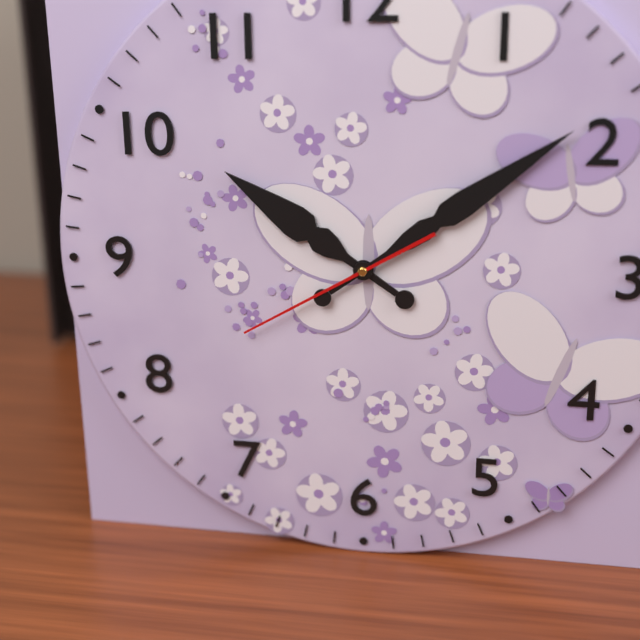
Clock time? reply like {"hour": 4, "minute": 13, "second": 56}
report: {"hour": 10, "minute": 9, "second": 40}
